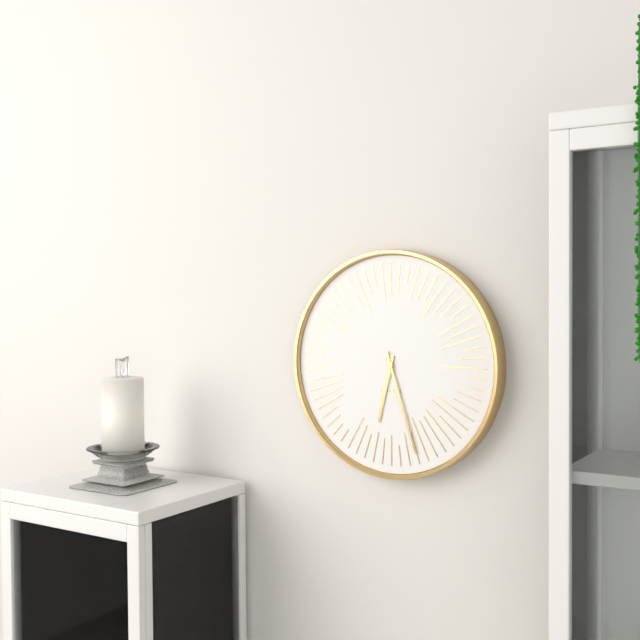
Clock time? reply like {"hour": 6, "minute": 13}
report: {"hour": 6, "minute": 27}
